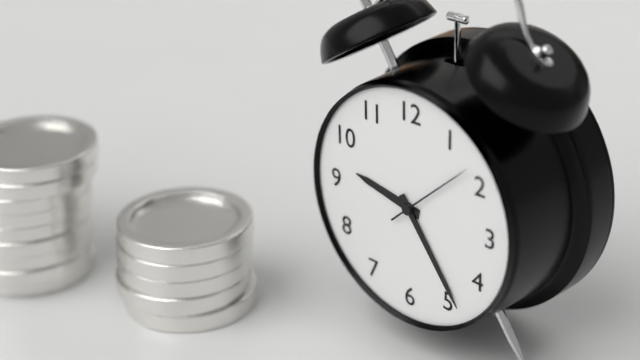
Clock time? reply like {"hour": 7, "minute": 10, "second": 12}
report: {"hour": 9, "minute": 24, "second": 8}
